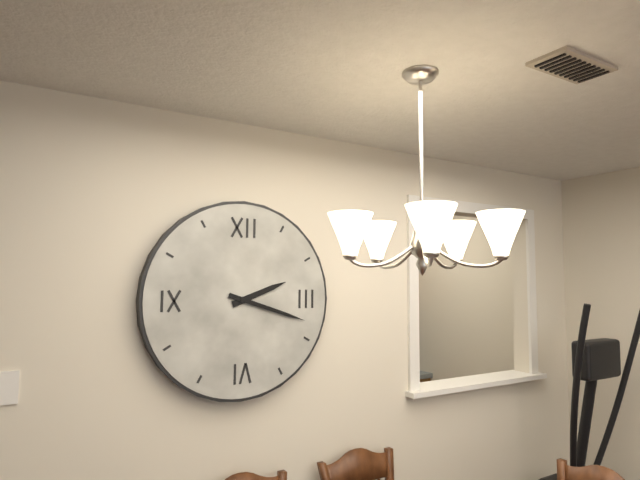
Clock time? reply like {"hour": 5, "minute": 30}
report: {"hour": 2, "minute": 18}
